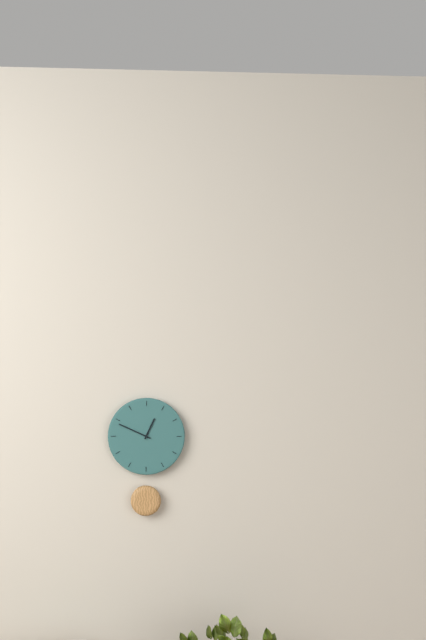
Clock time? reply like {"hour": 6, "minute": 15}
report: {"hour": 12, "minute": 49}
